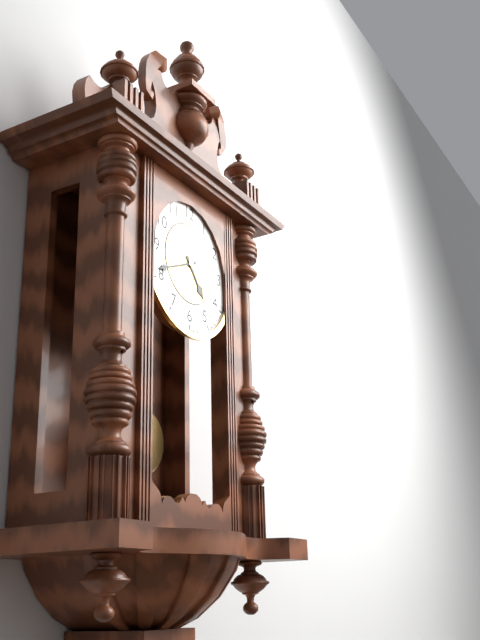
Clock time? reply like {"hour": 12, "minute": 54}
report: {"hour": 4, "minute": 41}
